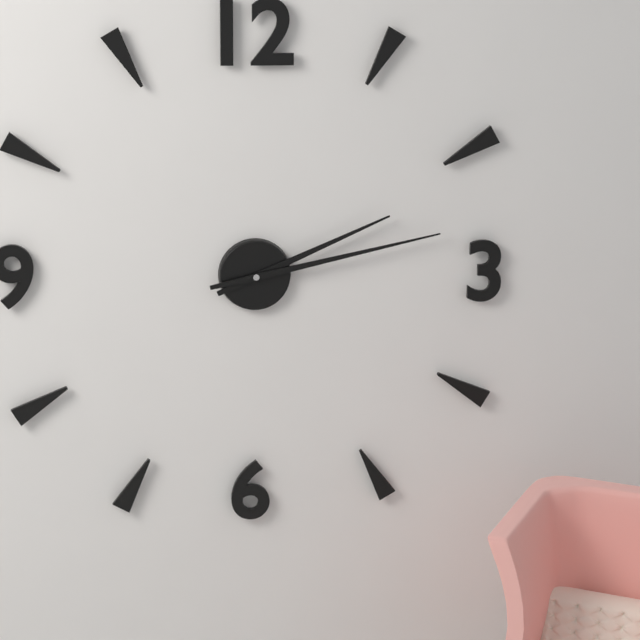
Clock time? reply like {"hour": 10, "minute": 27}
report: {"hour": 2, "minute": 13}
